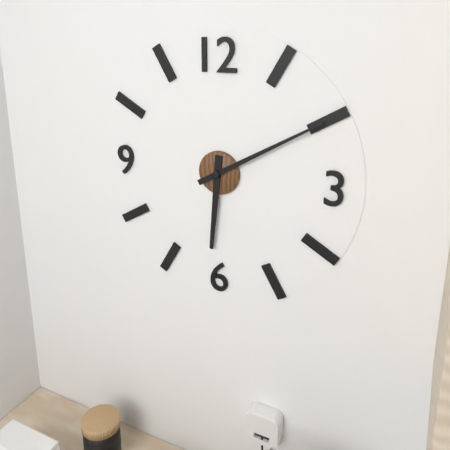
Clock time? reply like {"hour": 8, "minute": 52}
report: {"hour": 6, "minute": 10}
